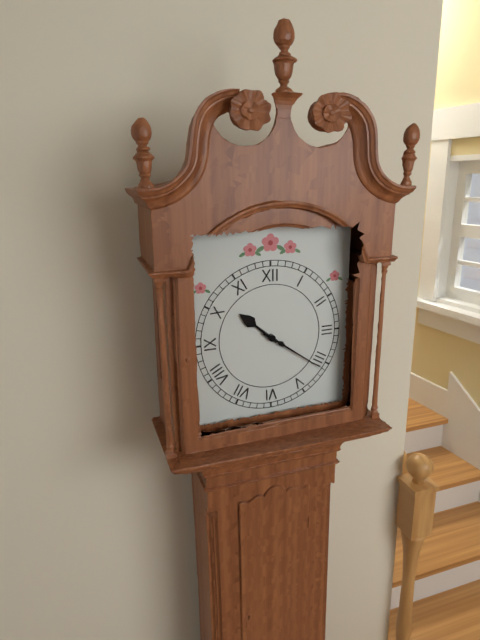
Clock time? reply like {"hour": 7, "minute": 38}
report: {"hour": 10, "minute": 21}
